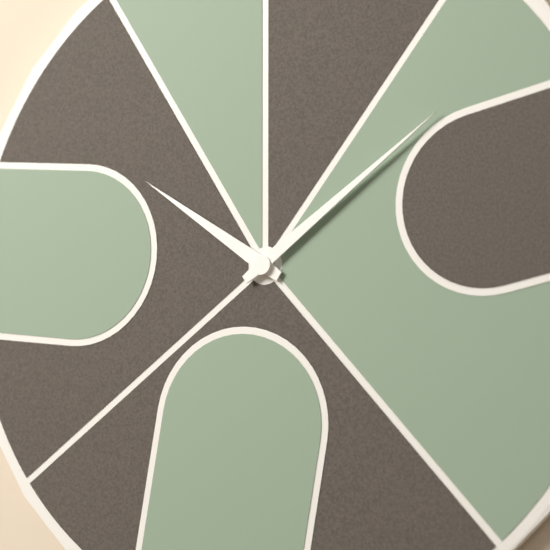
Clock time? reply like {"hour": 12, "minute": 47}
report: {"hour": 10, "minute": 9}
